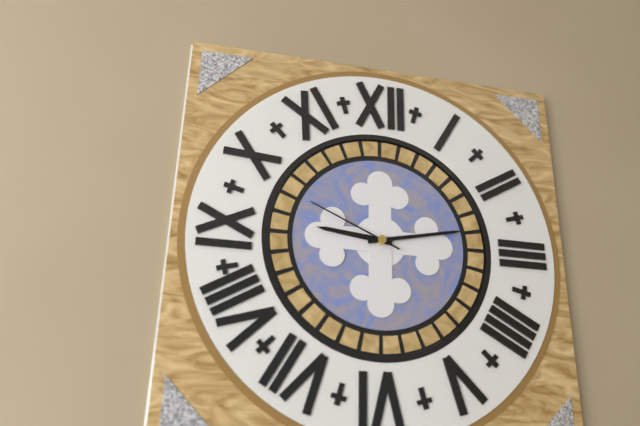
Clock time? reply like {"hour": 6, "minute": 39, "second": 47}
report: {"hour": 9, "minute": 13, "second": 49}
